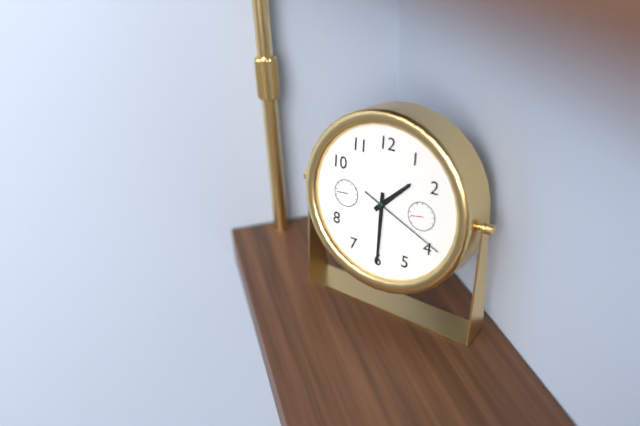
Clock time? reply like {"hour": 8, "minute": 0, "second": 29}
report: {"hour": 1, "minute": 30, "second": 19}
